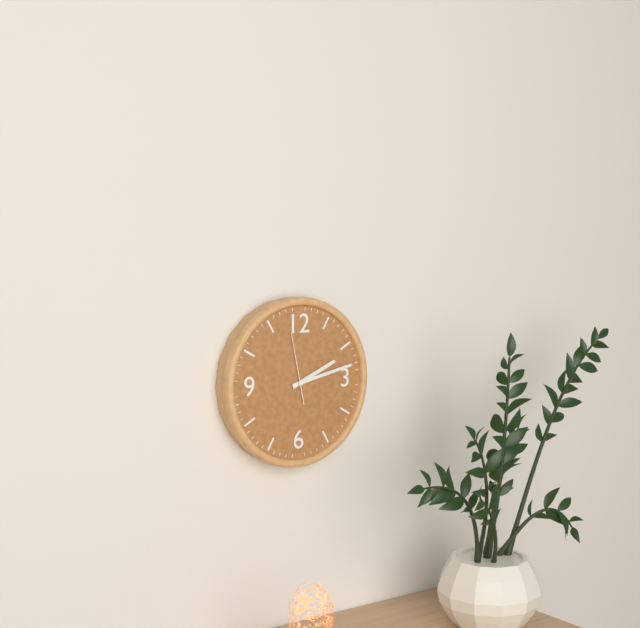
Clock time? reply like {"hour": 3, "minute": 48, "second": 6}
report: {"hour": 2, "minute": 13, "second": 58}
